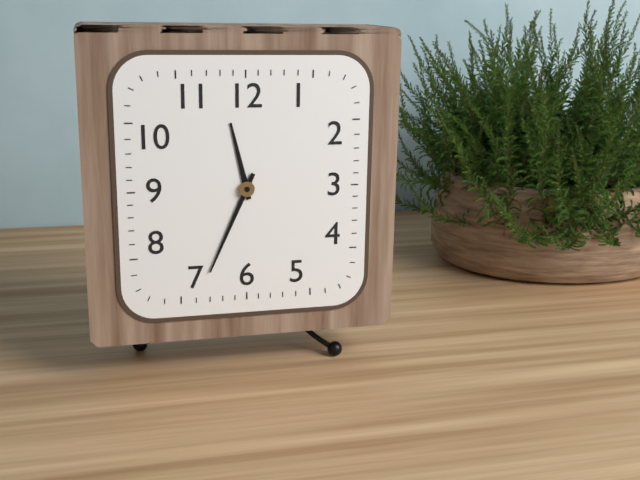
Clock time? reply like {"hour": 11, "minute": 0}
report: {"hour": 11, "minute": 34}
